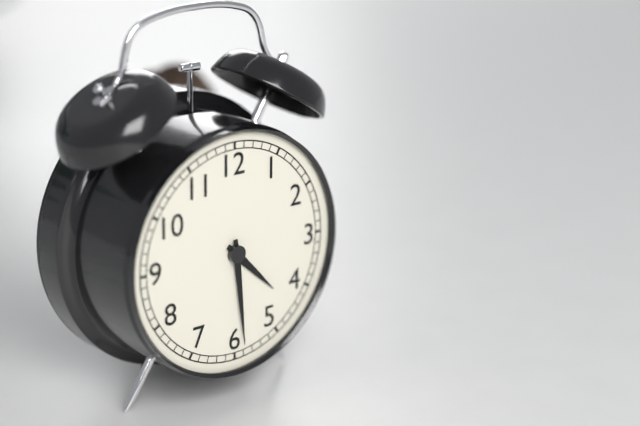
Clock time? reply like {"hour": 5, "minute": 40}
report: {"hour": 4, "minute": 29}
